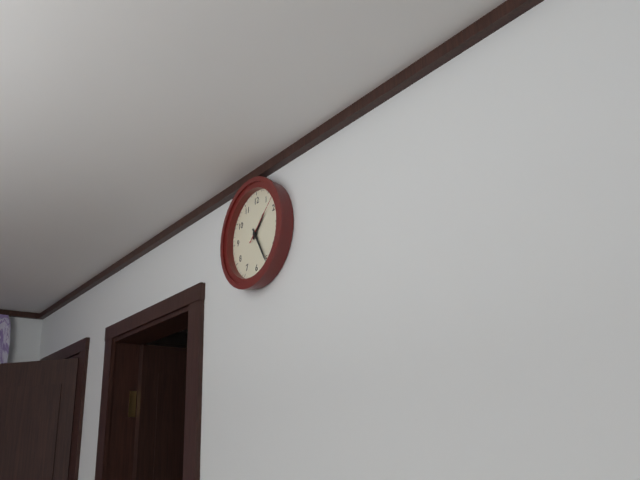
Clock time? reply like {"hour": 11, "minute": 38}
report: {"hour": 1, "minute": 25}
